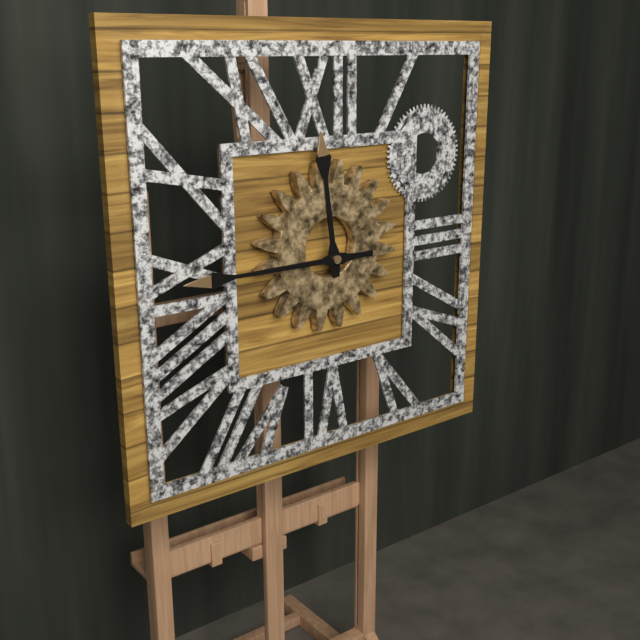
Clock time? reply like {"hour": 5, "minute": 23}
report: {"hour": 11, "minute": 45}
